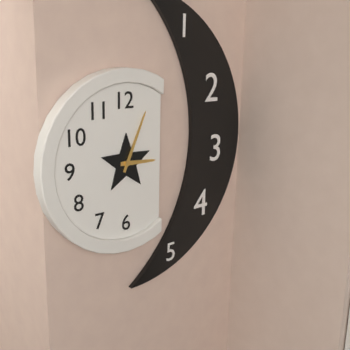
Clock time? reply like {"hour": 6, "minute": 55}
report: {"hour": 3, "minute": 4}
